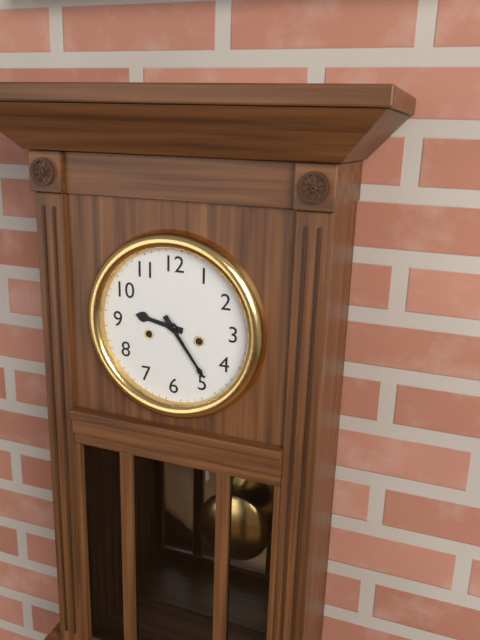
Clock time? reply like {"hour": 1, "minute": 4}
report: {"hour": 9, "minute": 24}
